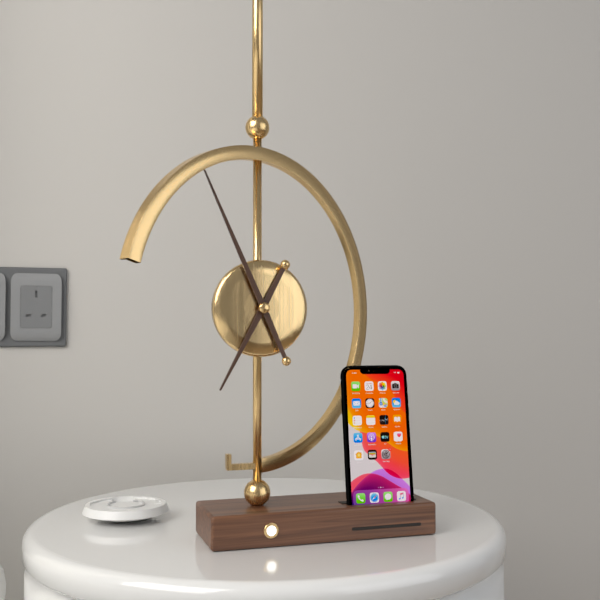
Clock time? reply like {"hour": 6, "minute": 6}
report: {"hour": 6, "minute": 56}
